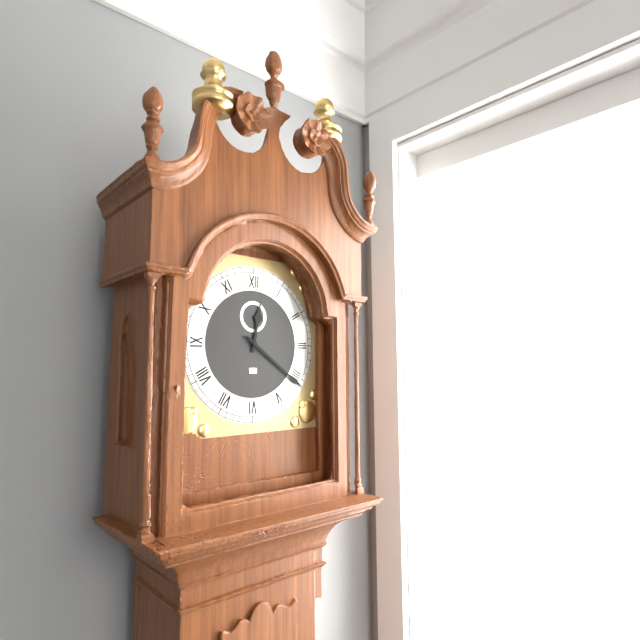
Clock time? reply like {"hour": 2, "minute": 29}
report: {"hour": 12, "minute": 21}
